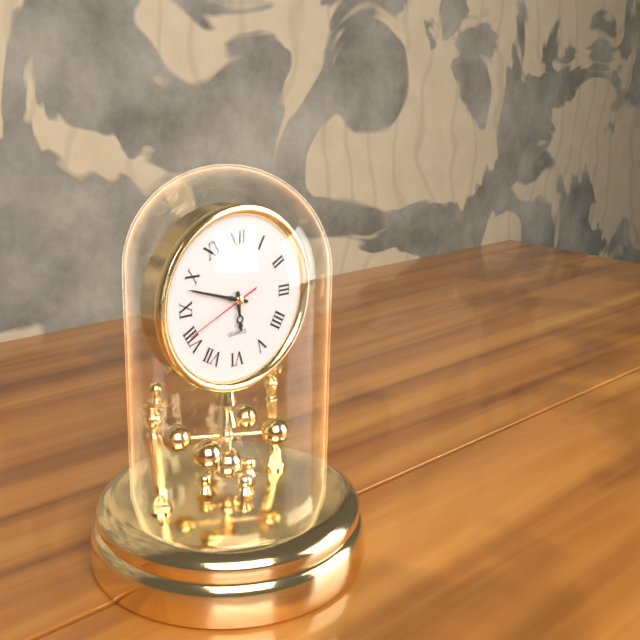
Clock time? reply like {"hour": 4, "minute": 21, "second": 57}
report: {"hour": 5, "minute": 48, "second": 41}
